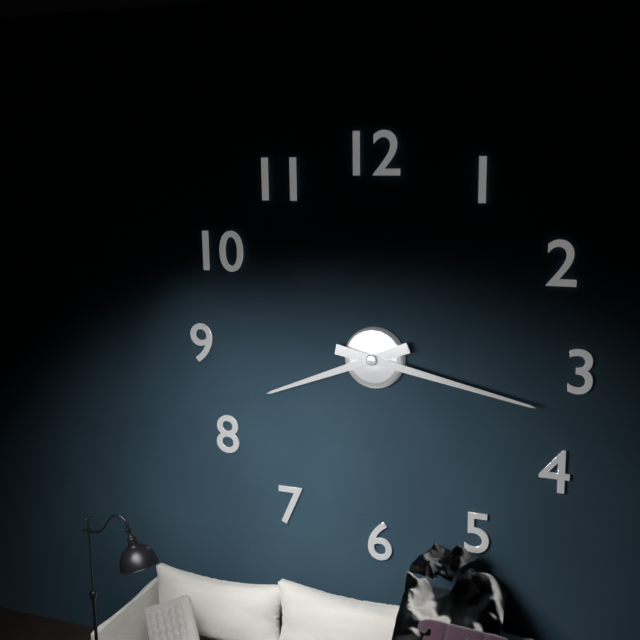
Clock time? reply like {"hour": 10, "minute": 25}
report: {"hour": 8, "minute": 17}
